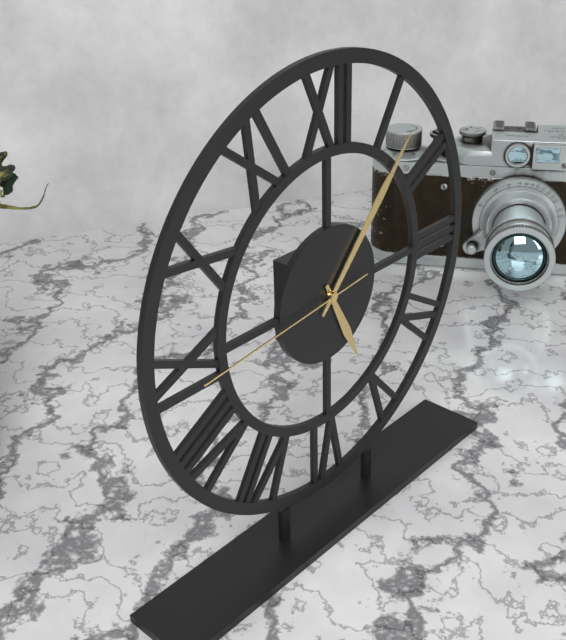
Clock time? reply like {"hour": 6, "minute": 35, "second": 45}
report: {"hour": 5, "minute": 7, "second": 44}
